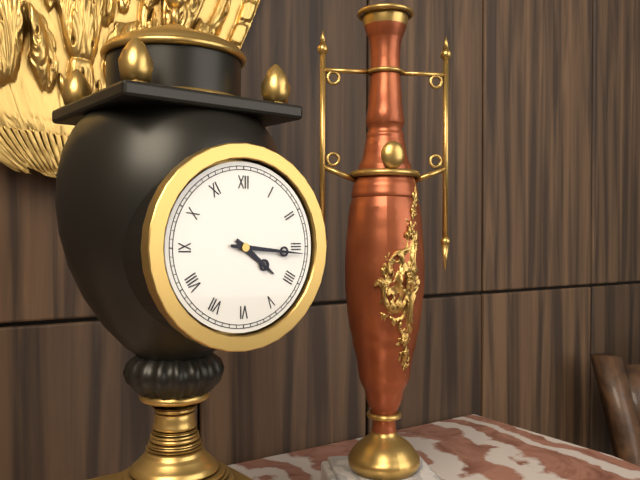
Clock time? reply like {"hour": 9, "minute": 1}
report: {"hour": 4, "minute": 16}
